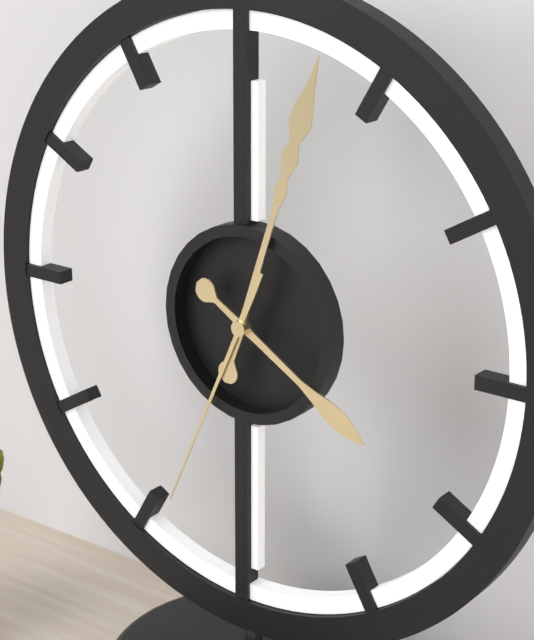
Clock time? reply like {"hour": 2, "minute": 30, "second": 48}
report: {"hour": 4, "minute": 3, "second": 34}
